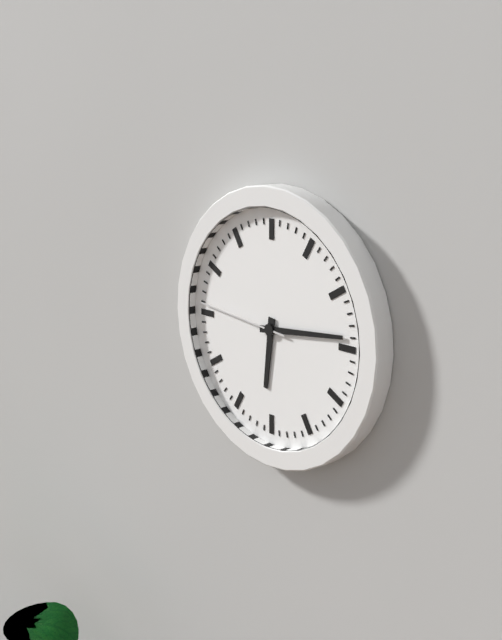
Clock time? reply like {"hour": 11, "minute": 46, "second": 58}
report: {"hour": 6, "minute": 14, "second": 46}
